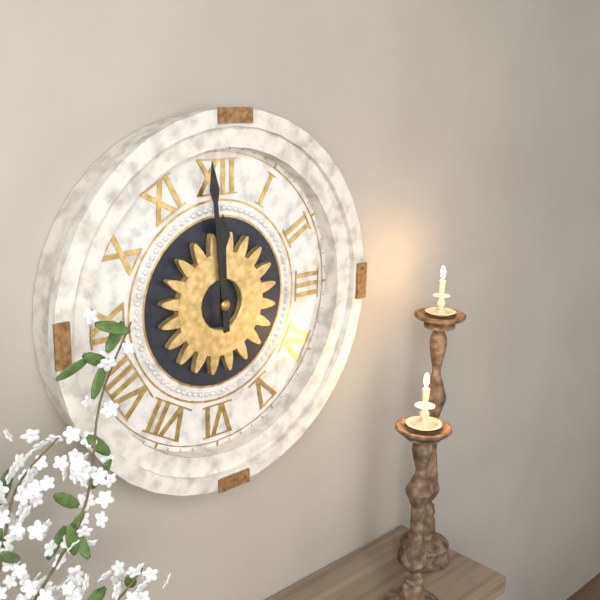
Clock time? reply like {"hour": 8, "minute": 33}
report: {"hour": 11, "minute": 59}
